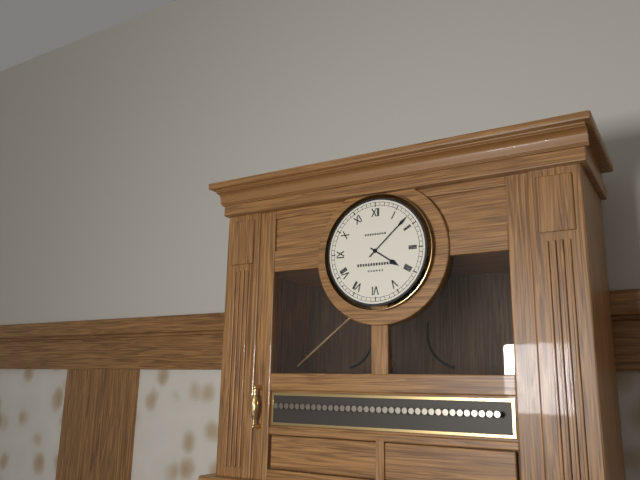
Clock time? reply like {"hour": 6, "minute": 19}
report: {"hour": 4, "minute": 8}
